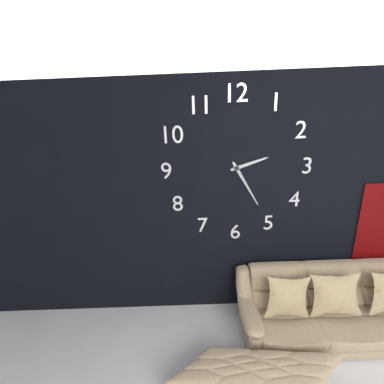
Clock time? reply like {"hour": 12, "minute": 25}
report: {"hour": 2, "minute": 25}
